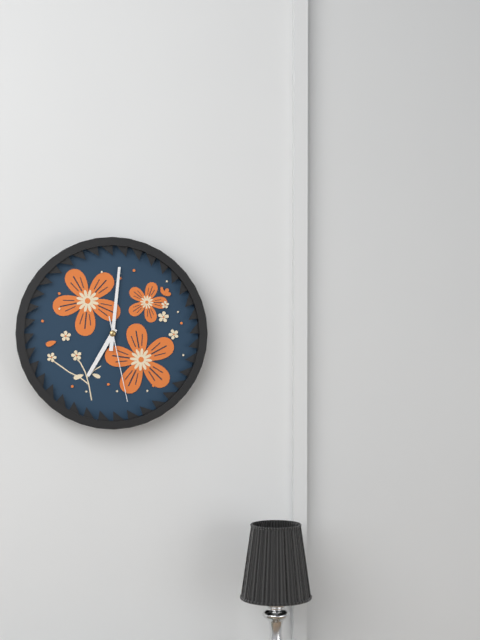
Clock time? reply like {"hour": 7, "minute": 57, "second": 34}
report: {"hour": 7, "minute": 1, "second": 28}
